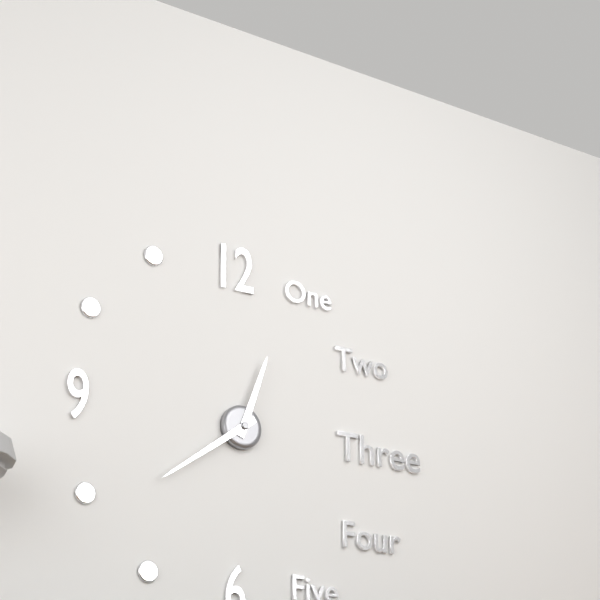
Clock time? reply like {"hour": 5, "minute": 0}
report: {"hour": 12, "minute": 39}
